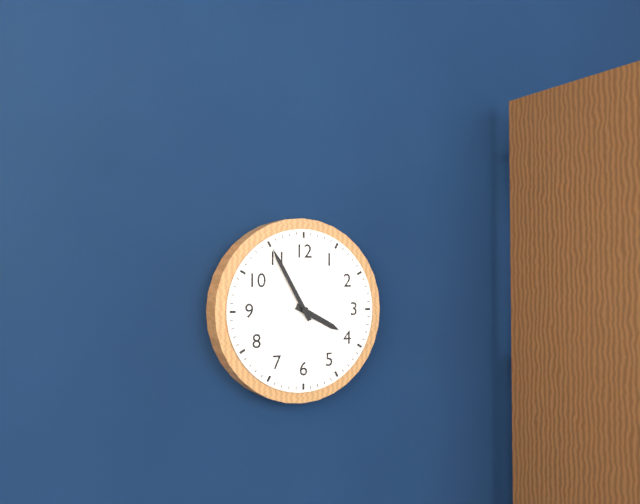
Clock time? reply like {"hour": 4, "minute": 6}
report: {"hour": 3, "minute": 55}
